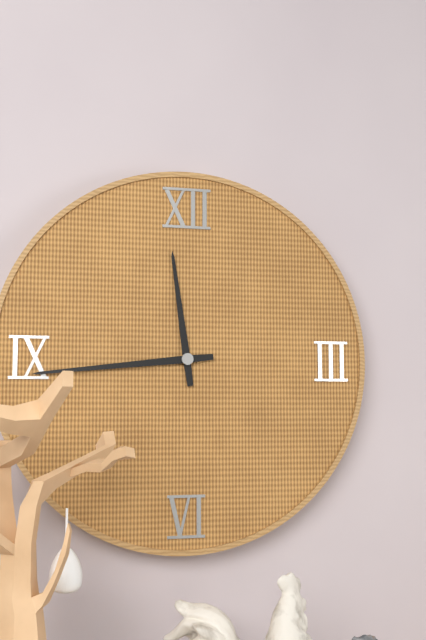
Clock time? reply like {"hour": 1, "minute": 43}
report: {"hour": 11, "minute": 44}
